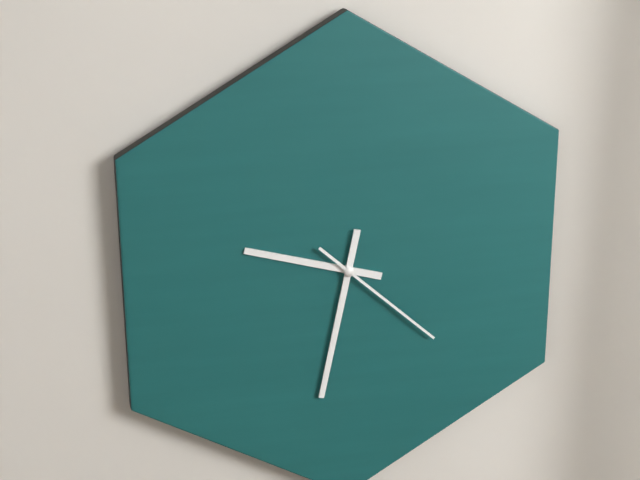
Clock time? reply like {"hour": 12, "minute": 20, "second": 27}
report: {"hour": 9, "minute": 32, "second": 22}
